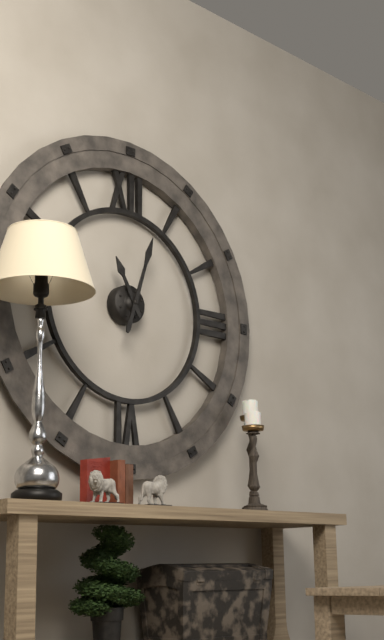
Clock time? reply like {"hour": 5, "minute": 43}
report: {"hour": 11, "minute": 3}
